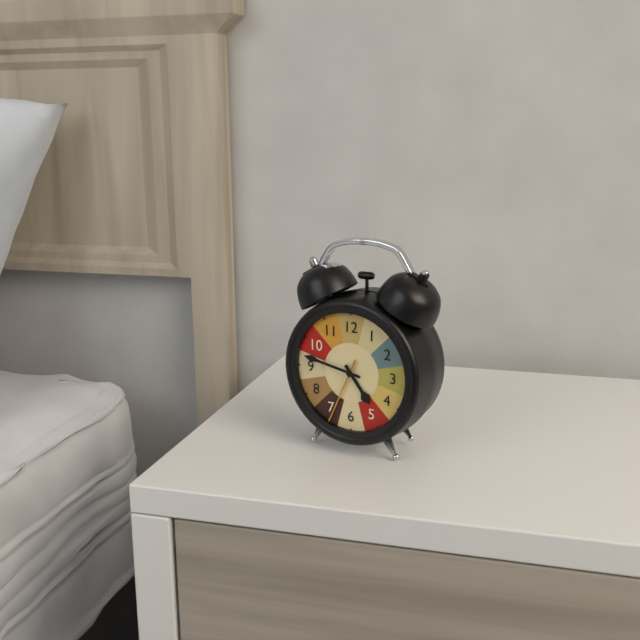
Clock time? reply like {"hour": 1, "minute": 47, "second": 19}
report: {"hour": 4, "minute": 47, "second": 34}
